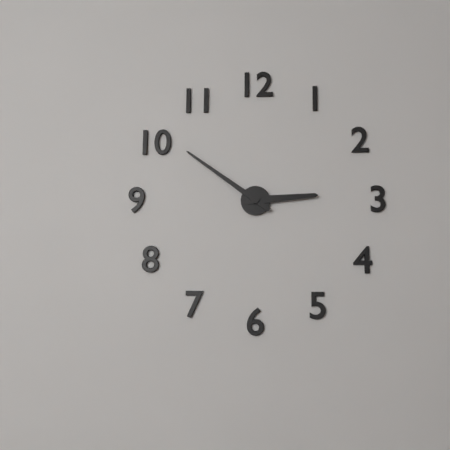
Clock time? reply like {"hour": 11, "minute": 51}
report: {"hour": 2, "minute": 51}
